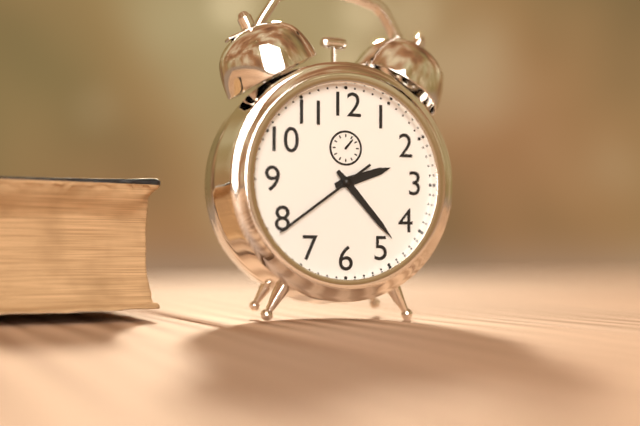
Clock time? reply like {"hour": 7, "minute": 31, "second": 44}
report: {"hour": 2, "minute": 23, "second": 39}
